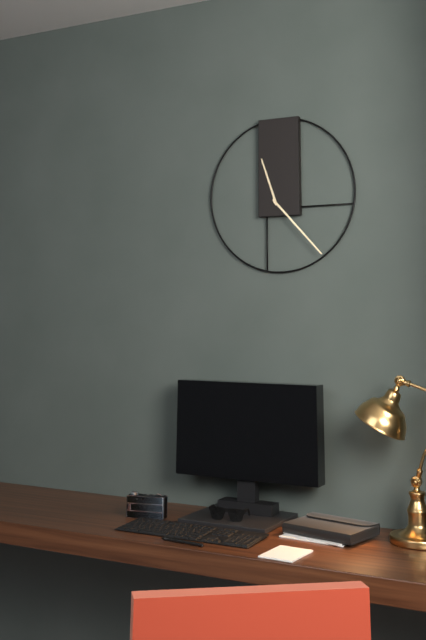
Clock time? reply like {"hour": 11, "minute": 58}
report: {"hour": 11, "minute": 23}
